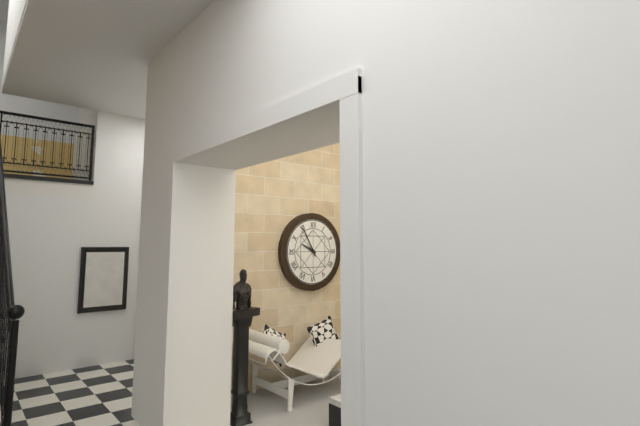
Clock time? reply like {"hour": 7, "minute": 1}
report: {"hour": 9, "minute": 55}
